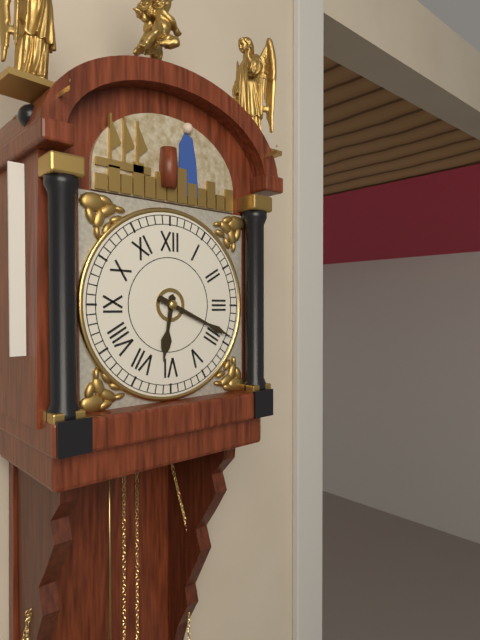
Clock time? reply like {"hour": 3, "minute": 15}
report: {"hour": 6, "minute": 19}
